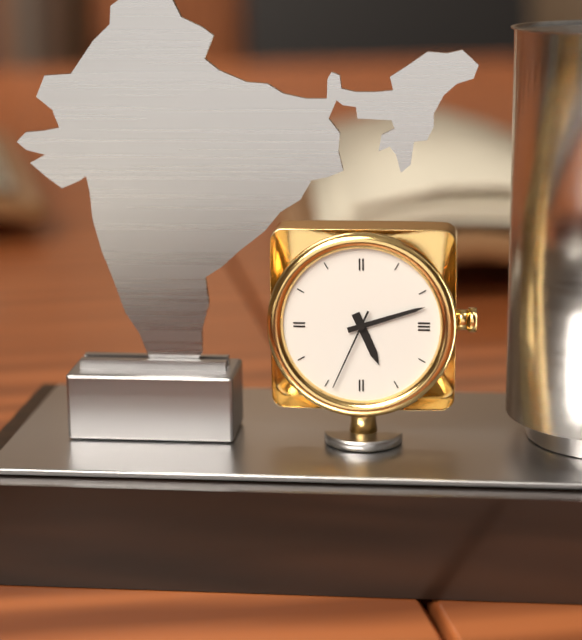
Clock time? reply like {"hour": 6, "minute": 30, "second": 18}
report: {"hour": 5, "minute": 12, "second": 34}
